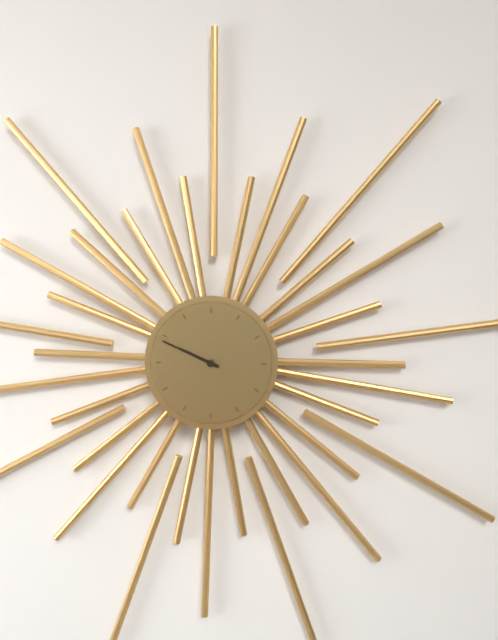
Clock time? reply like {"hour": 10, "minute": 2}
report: {"hour": 9, "minute": 49}
